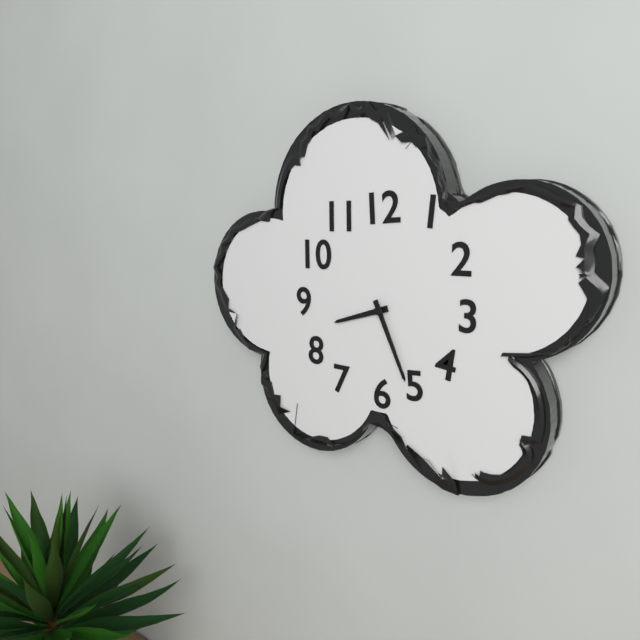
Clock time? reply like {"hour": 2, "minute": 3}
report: {"hour": 8, "minute": 26}
